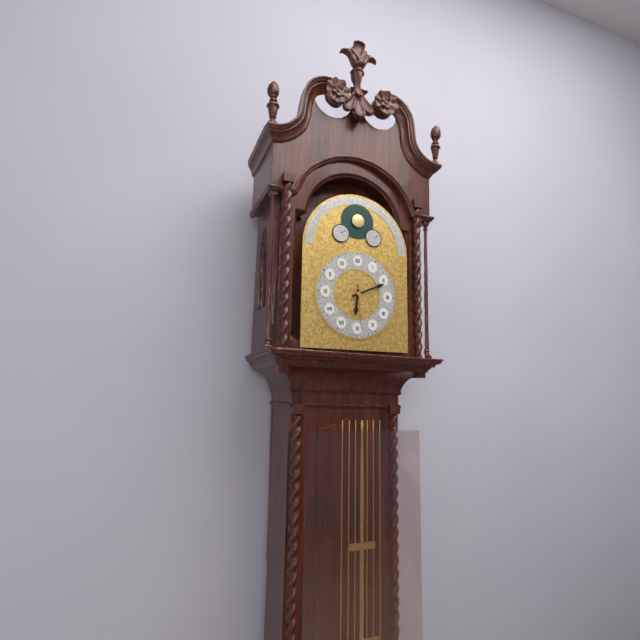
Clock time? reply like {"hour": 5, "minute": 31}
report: {"hour": 6, "minute": 11}
